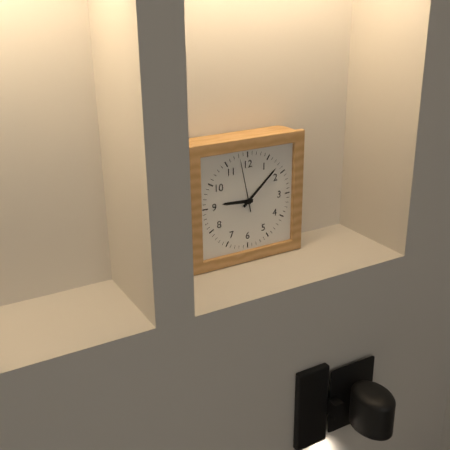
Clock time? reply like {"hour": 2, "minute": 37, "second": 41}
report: {"hour": 9, "minute": 8, "second": 58}
